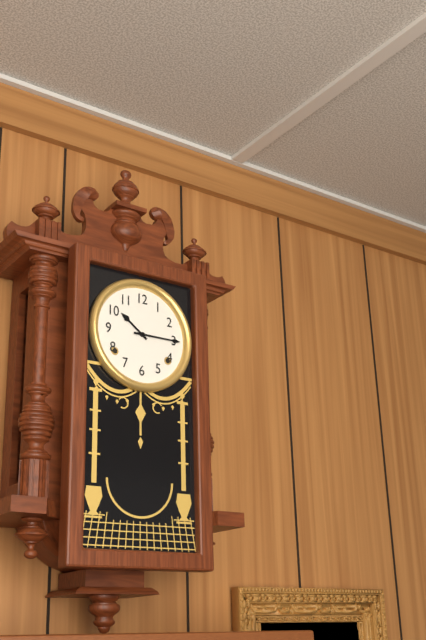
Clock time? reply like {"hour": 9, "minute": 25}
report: {"hour": 10, "minute": 15}
